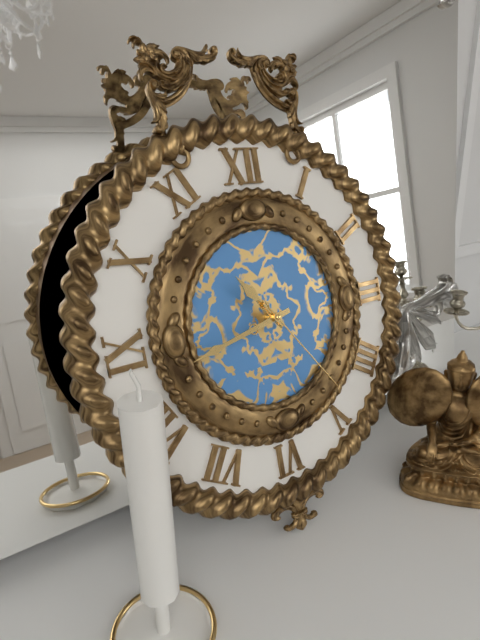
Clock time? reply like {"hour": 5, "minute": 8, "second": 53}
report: {"hour": 10, "minute": 43, "second": 24}
